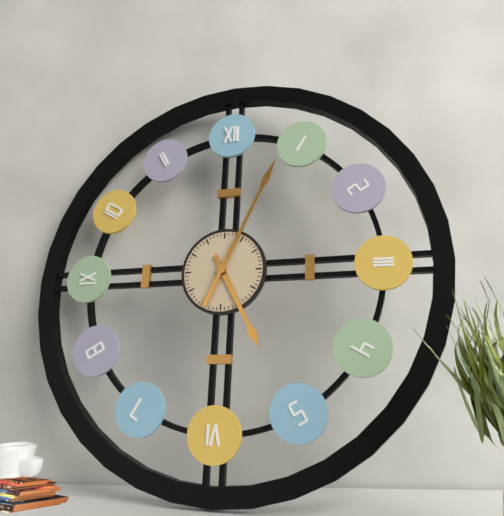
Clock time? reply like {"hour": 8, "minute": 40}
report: {"hour": 5, "minute": 4}
